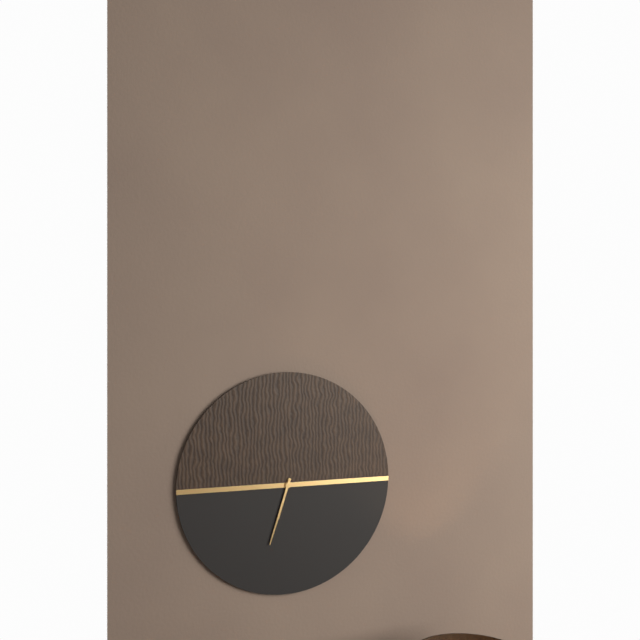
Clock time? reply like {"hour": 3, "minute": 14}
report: {"hour": 6, "minute": 33}
